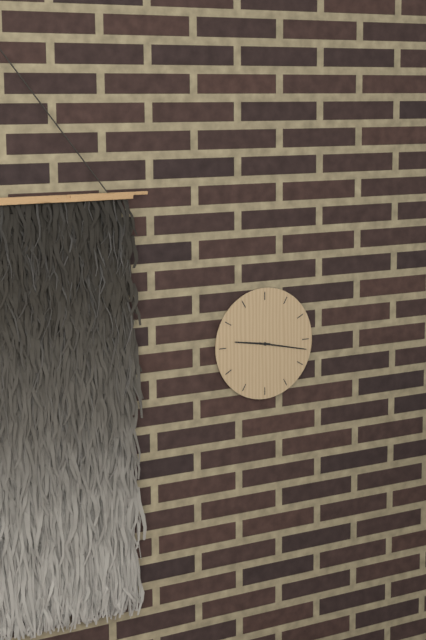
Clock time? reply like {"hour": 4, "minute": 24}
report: {"hour": 9, "minute": 17}
